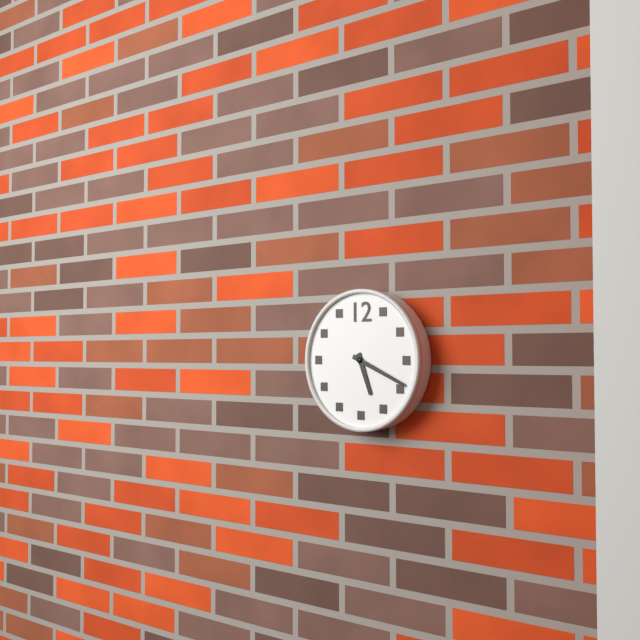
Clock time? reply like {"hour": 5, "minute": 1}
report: {"hour": 5, "minute": 19}
